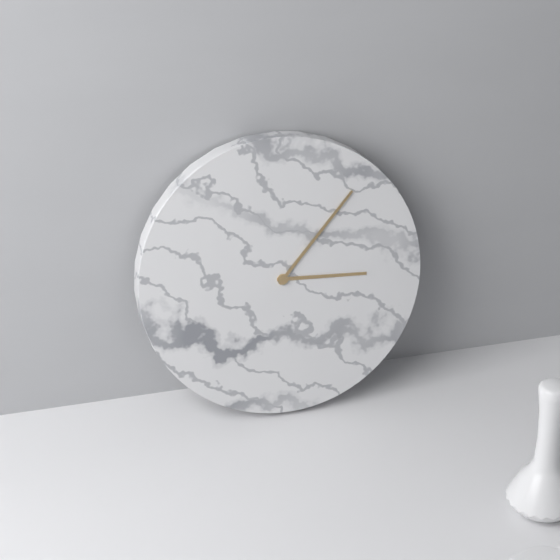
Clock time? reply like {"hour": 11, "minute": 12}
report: {"hour": 3, "minute": 7}
